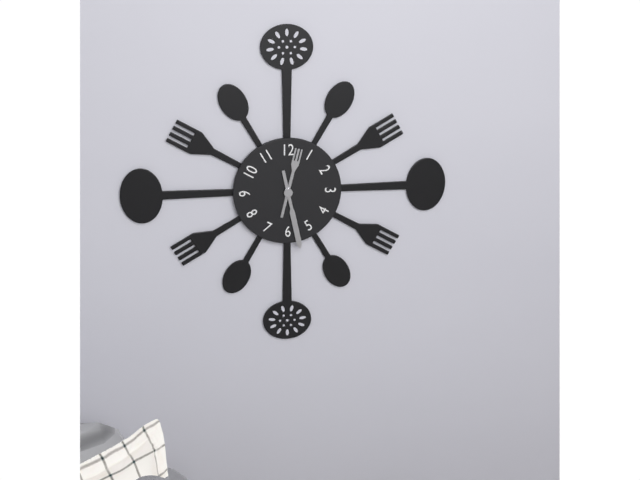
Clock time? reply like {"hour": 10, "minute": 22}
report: {"hour": 12, "minute": 28}
